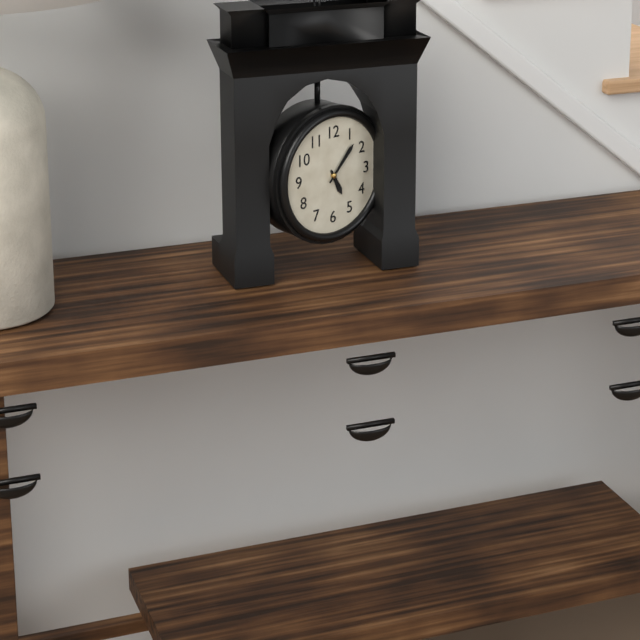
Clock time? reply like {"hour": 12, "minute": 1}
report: {"hour": 5, "minute": 7}
